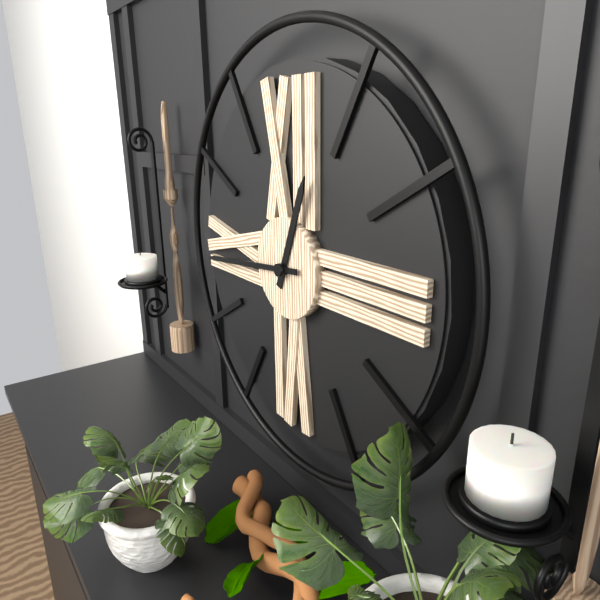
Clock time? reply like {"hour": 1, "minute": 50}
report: {"hour": 12, "minute": 44}
